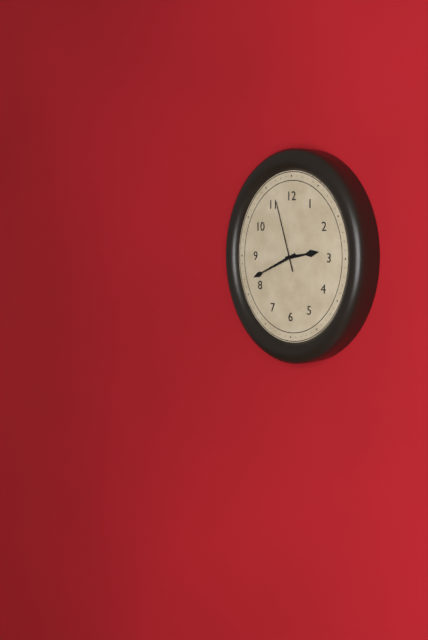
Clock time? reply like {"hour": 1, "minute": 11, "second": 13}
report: {"hour": 2, "minute": 41, "second": 57}
